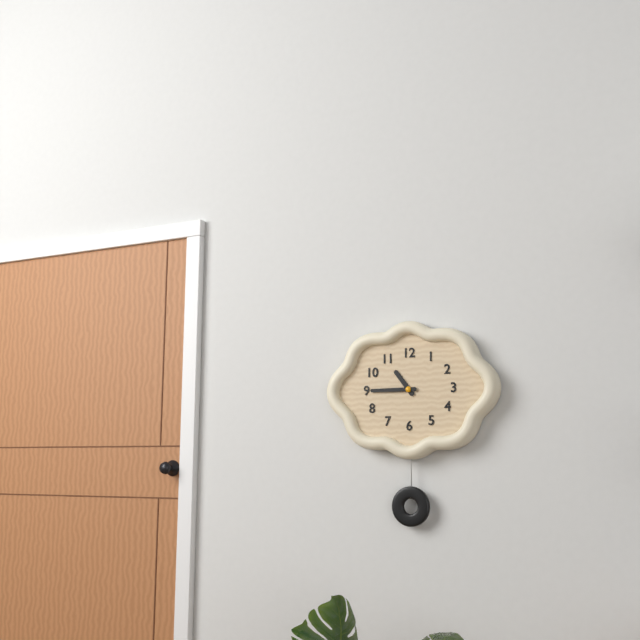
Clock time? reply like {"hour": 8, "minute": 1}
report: {"hour": 10, "minute": 45}
